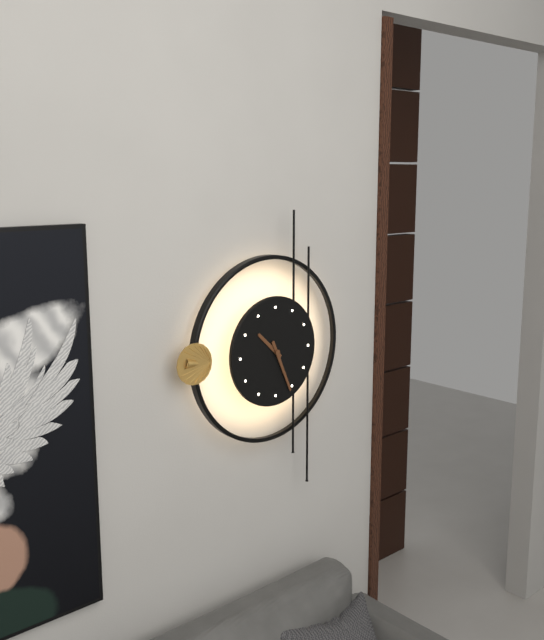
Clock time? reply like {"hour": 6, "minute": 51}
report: {"hour": 10, "minute": 26}
